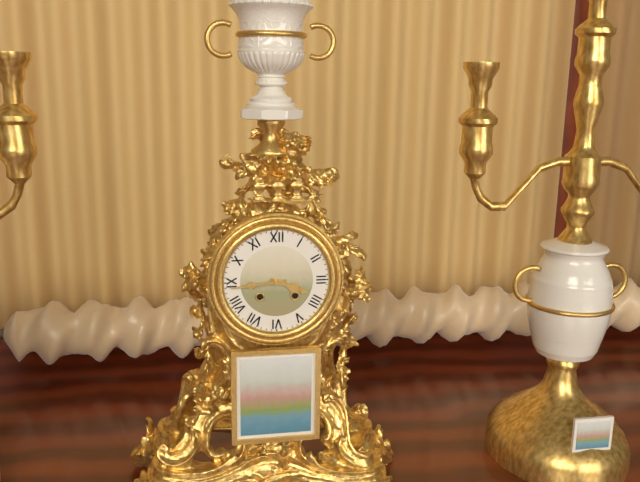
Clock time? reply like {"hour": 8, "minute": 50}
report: {"hour": 3, "minute": 44}
